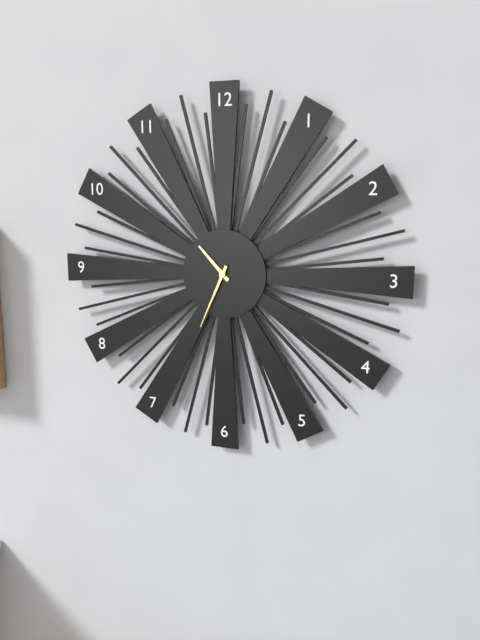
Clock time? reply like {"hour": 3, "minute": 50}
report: {"hour": 10, "minute": 34}
